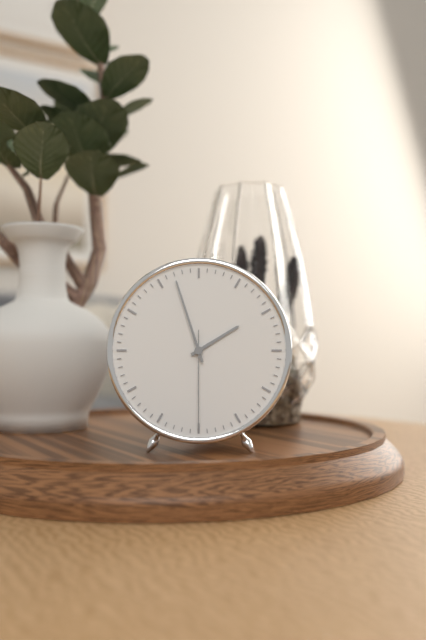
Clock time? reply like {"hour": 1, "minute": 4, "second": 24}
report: {"hour": 1, "minute": 57, "second": 30}
